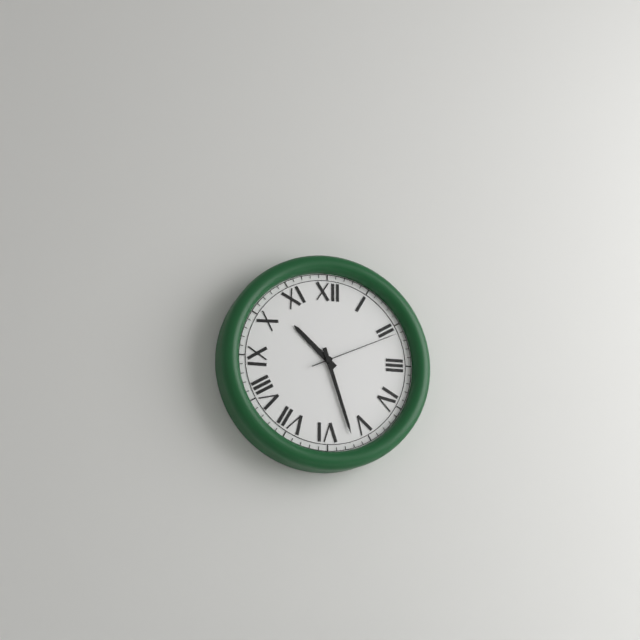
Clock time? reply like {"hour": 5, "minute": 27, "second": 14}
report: {"hour": 10, "minute": 27, "second": 11}
